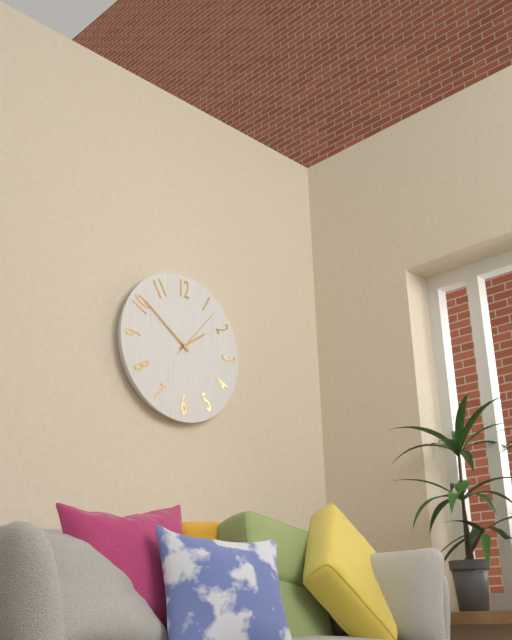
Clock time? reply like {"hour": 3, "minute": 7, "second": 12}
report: {"hour": 1, "minute": 51, "second": 7}
